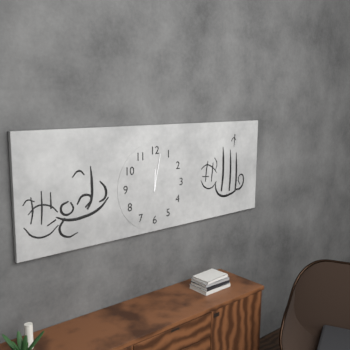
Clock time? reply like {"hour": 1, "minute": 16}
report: {"hour": 12, "minute": 2}
